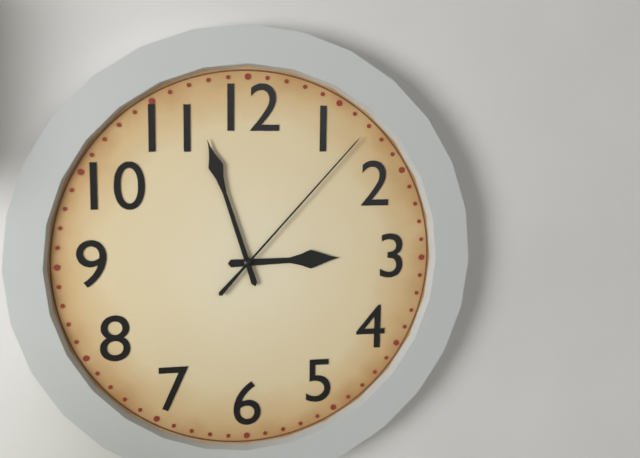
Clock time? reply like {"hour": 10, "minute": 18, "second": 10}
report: {"hour": 2, "minute": 57, "second": 7}
